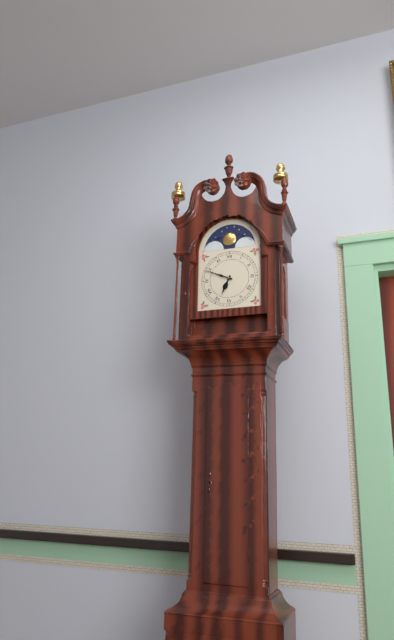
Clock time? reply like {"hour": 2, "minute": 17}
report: {"hour": 6, "minute": 49}
